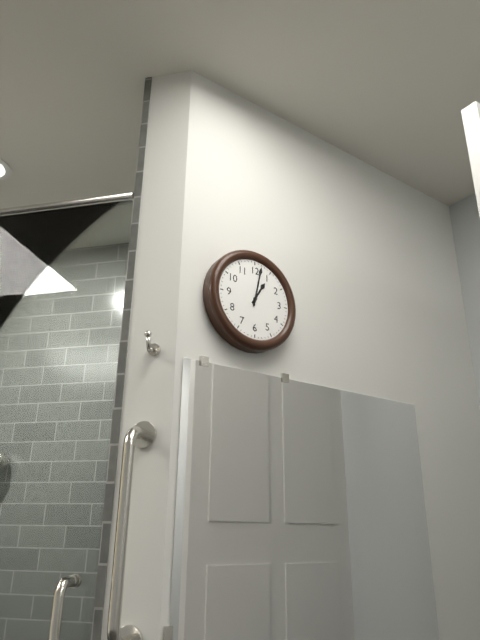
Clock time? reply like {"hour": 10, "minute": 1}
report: {"hour": 1, "minute": 2}
